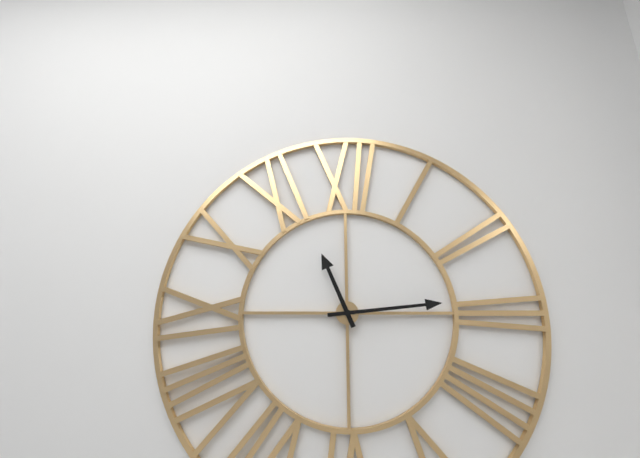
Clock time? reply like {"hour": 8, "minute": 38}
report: {"hour": 11, "minute": 14}
